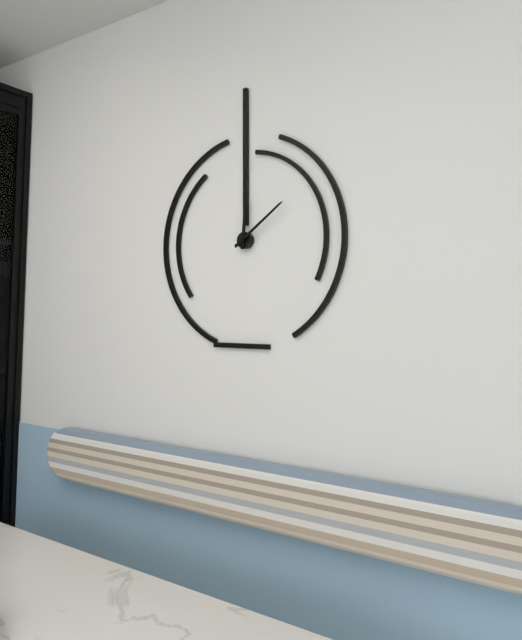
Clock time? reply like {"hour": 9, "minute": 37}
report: {"hour": 12, "minute": 9}
